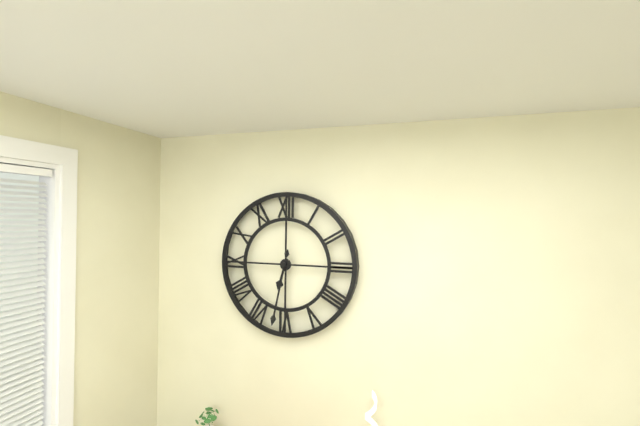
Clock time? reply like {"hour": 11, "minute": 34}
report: {"hour": 6, "minute": 32}
